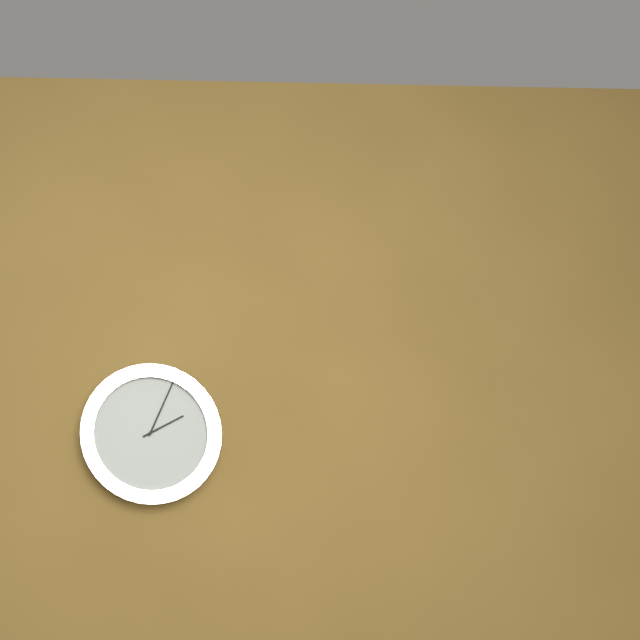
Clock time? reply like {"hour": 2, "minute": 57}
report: {"hour": 2, "minute": 4}
